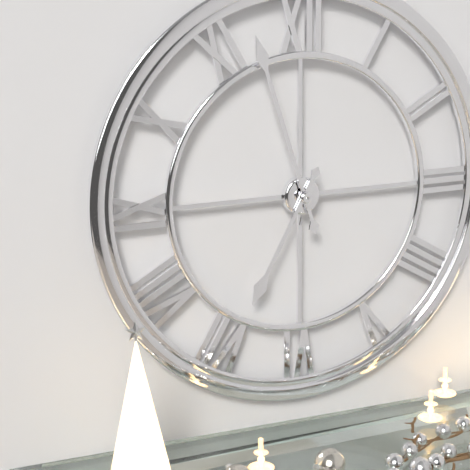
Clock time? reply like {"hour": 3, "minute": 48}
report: {"hour": 6, "minute": 57}
